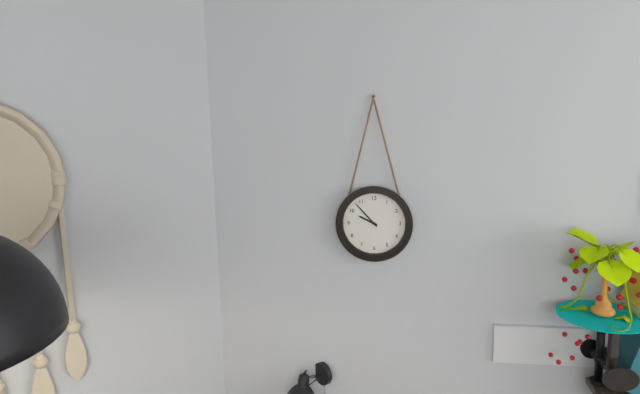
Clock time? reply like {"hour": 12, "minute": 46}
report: {"hour": 9, "minute": 53}
